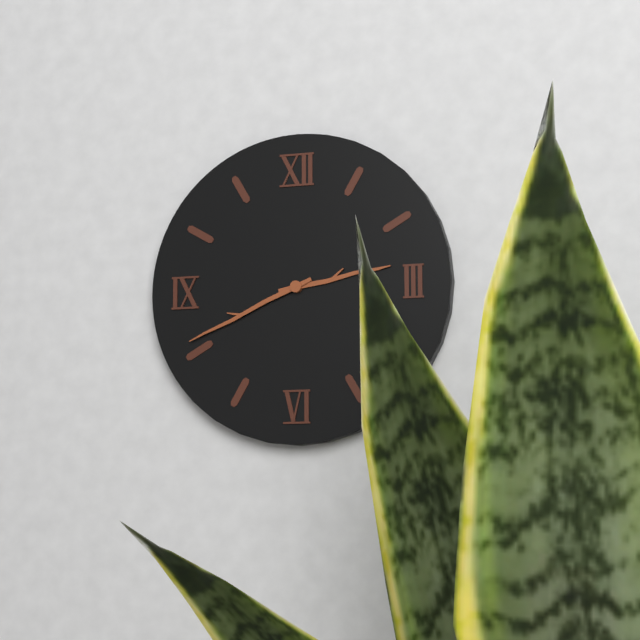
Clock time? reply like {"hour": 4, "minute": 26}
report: {"hour": 2, "minute": 41}
